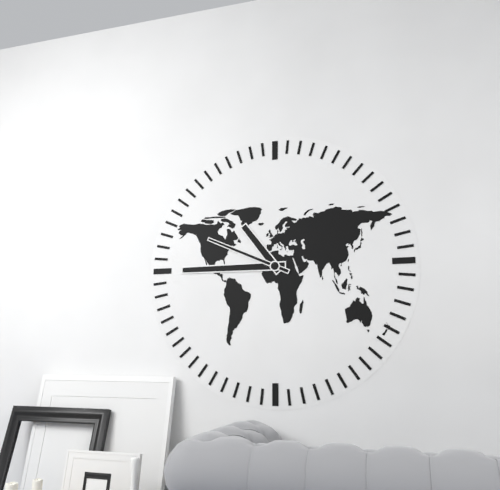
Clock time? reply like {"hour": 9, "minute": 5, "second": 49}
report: {"hour": 10, "minute": 45, "second": 49}
